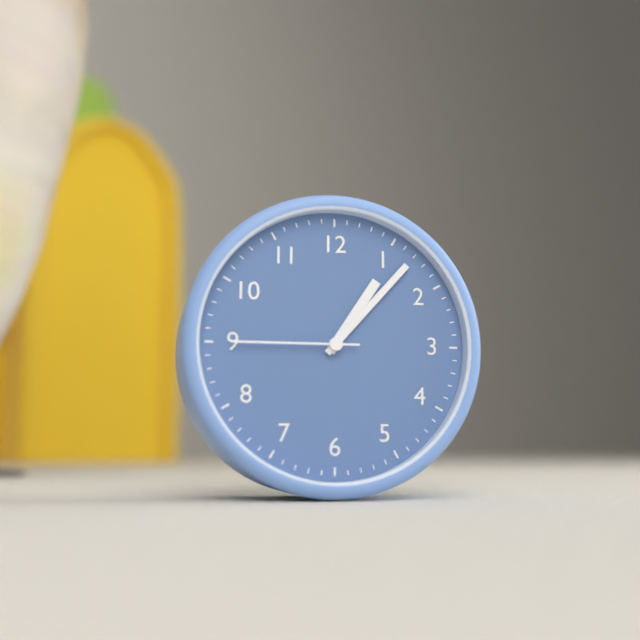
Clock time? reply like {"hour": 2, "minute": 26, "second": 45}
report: {"hour": 1, "minute": 7, "second": 45}
